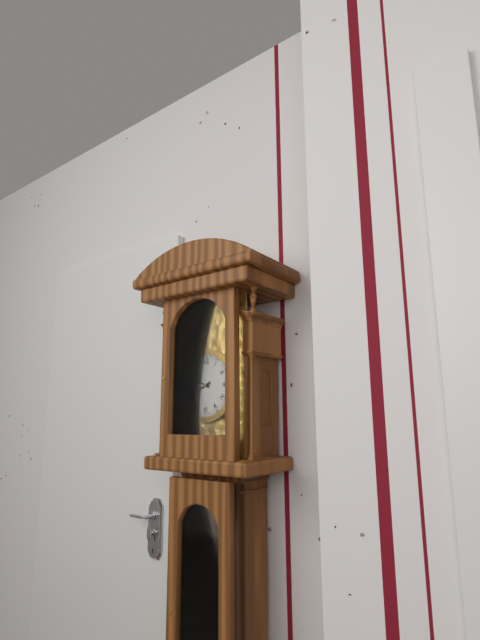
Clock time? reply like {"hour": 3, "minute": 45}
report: {"hour": 9, "minute": 41}
